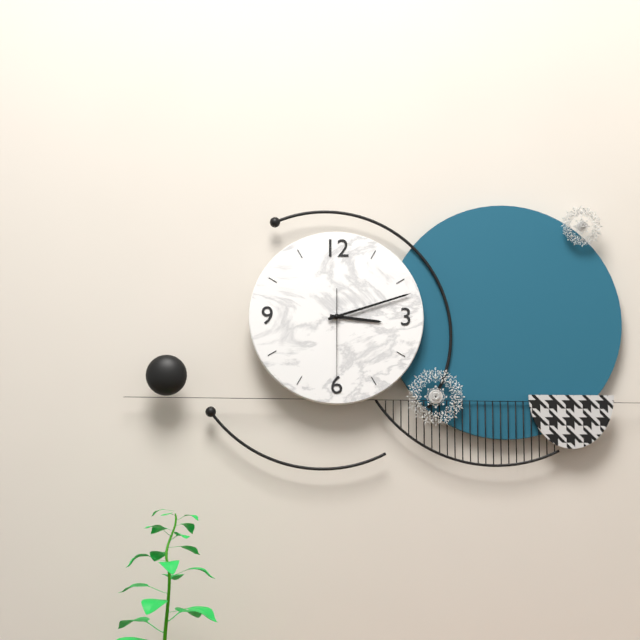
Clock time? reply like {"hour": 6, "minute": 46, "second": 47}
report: {"hour": 3, "minute": 12, "second": 30}
